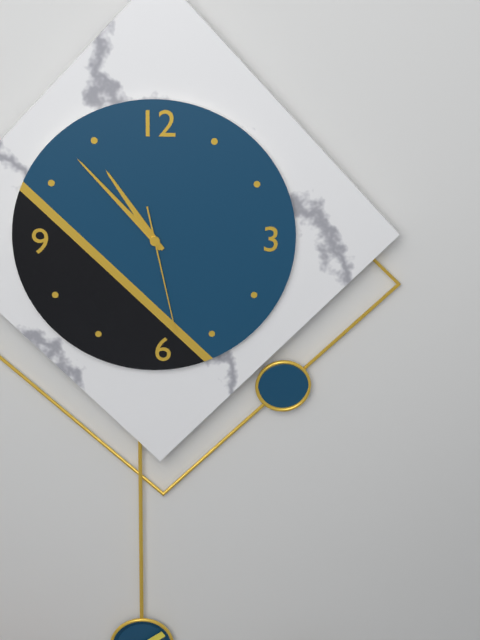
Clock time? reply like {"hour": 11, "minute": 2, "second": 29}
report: {"hour": 10, "minute": 53, "second": 28}
